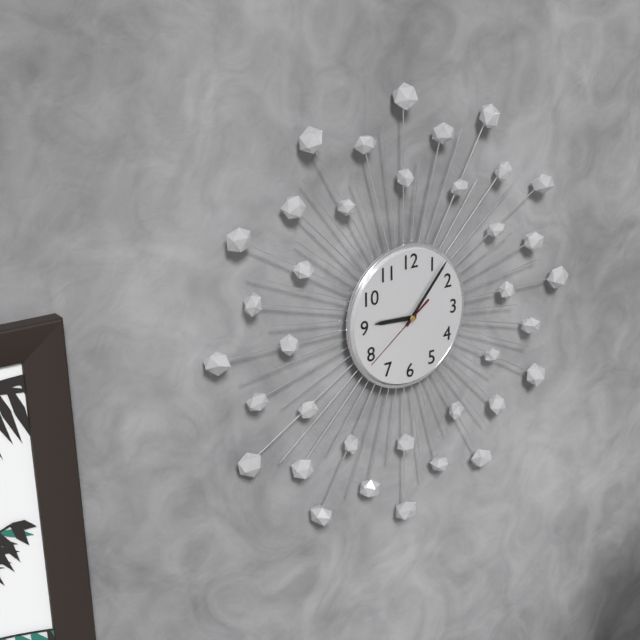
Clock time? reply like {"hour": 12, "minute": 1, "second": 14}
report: {"hour": 9, "minute": 7, "second": 39}
